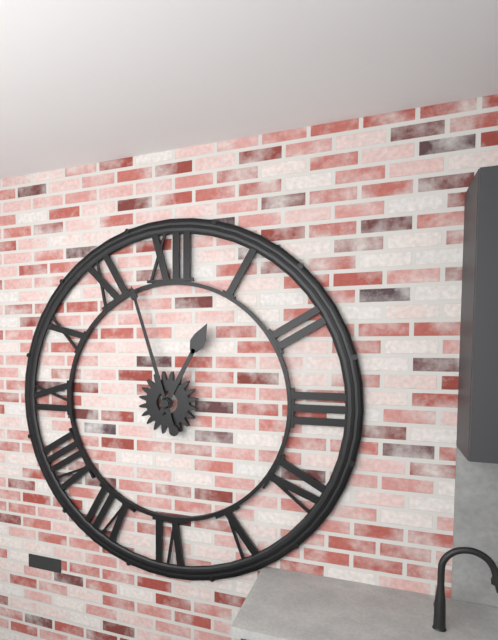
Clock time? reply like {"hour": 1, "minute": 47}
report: {"hour": 12, "minute": 57}
